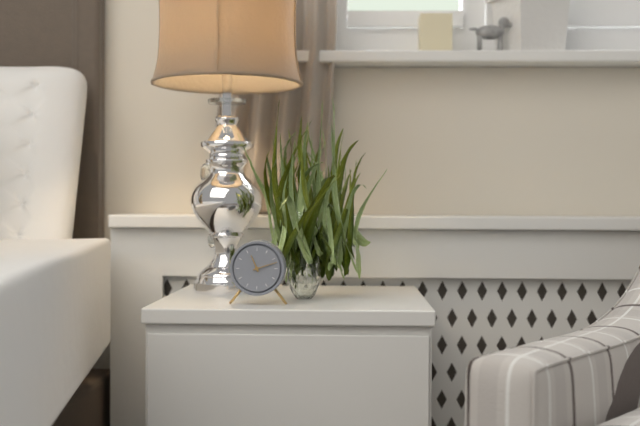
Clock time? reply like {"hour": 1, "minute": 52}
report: {"hour": 11, "minute": 12}
